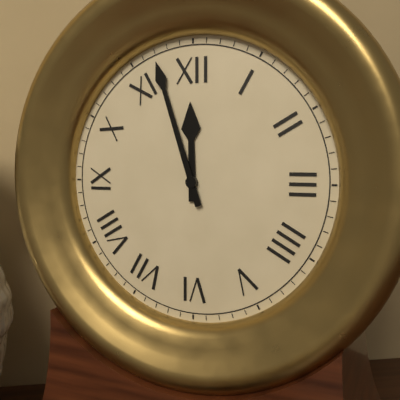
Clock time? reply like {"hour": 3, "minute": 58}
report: {"hour": 11, "minute": 57}
